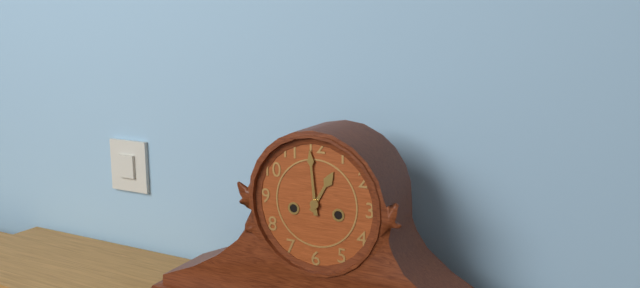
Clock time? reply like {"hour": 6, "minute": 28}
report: {"hour": 12, "minute": 59}
